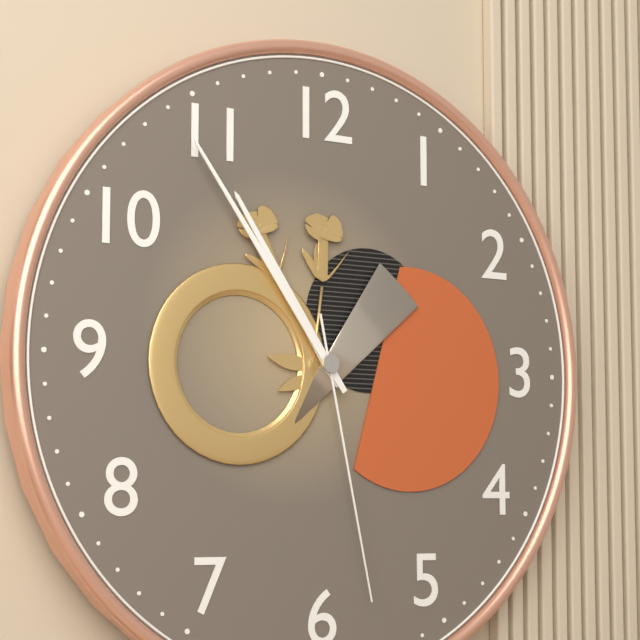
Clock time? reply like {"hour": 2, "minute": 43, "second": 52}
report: {"hour": 10, "minute": 54, "second": 28}
